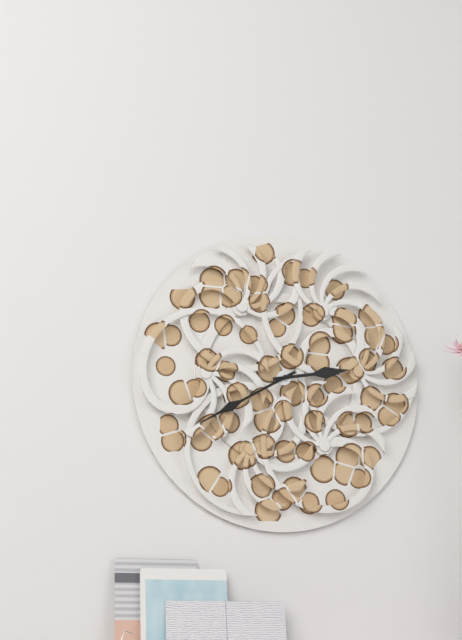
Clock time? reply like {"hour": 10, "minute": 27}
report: {"hour": 2, "minute": 40}
